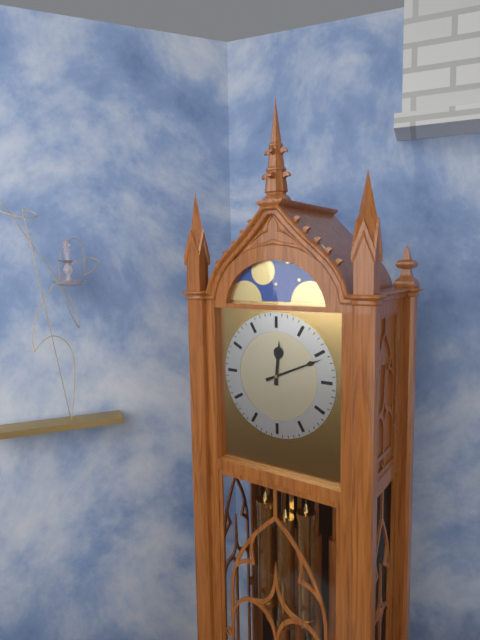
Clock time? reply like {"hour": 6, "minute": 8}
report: {"hour": 12, "minute": 11}
